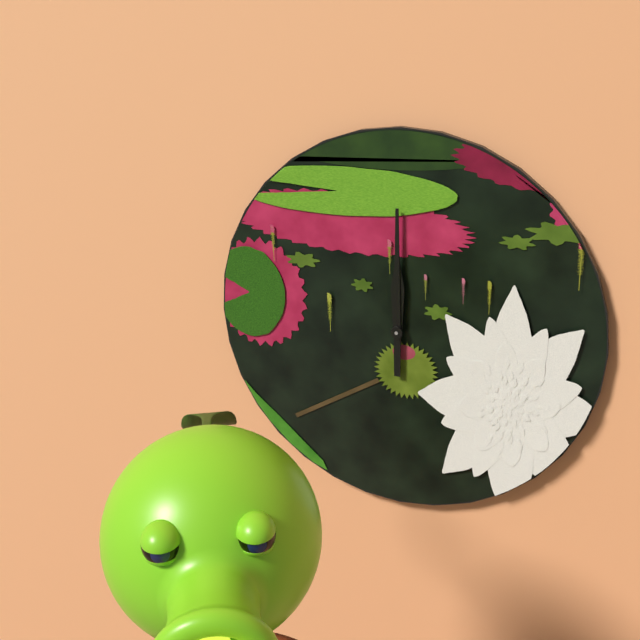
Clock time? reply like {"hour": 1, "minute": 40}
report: {"hour": 12, "minute": 0}
